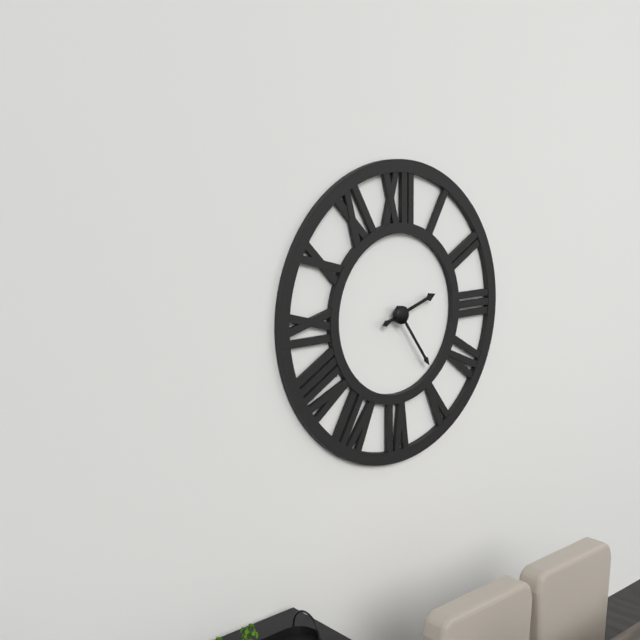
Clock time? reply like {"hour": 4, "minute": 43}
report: {"hour": 2, "minute": 24}
